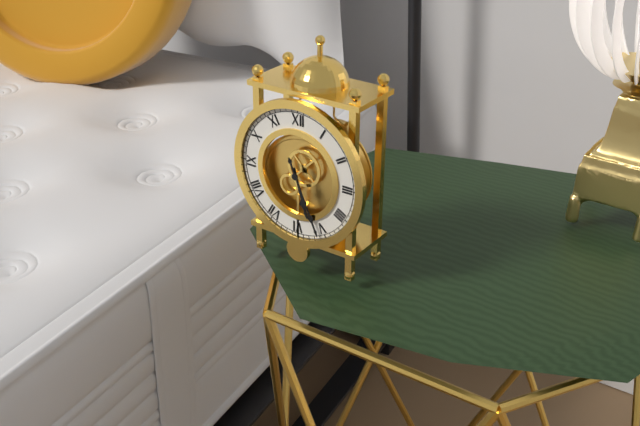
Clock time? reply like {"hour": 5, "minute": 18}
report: {"hour": 5, "minute": 26}
